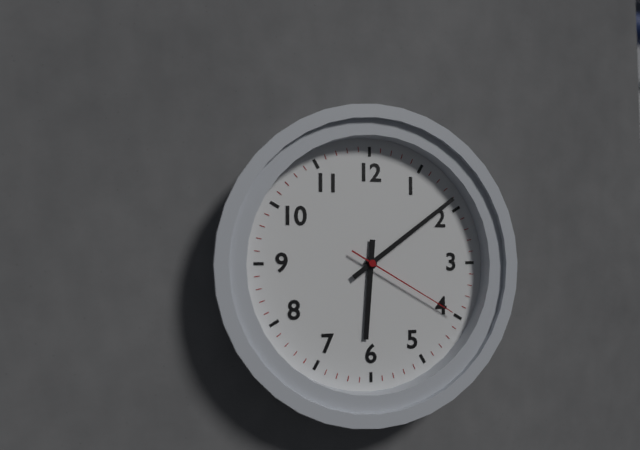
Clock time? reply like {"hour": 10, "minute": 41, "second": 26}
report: {"hour": 6, "minute": 9, "second": 20}
